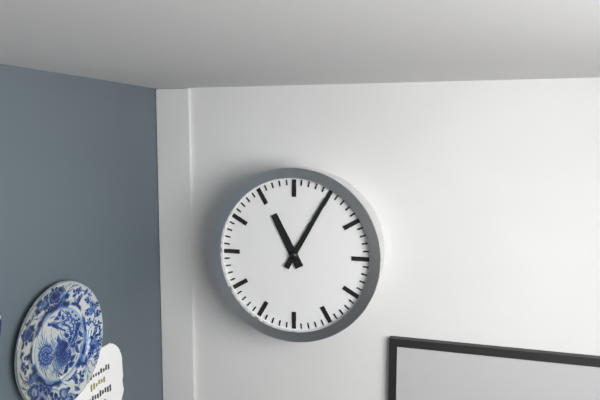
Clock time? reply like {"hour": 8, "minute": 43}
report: {"hour": 11, "minute": 5}
